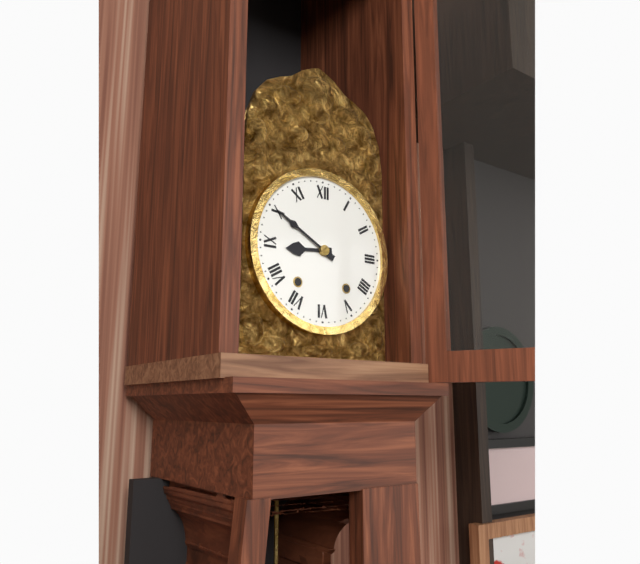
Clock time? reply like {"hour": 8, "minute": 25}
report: {"hour": 8, "minute": 50}
